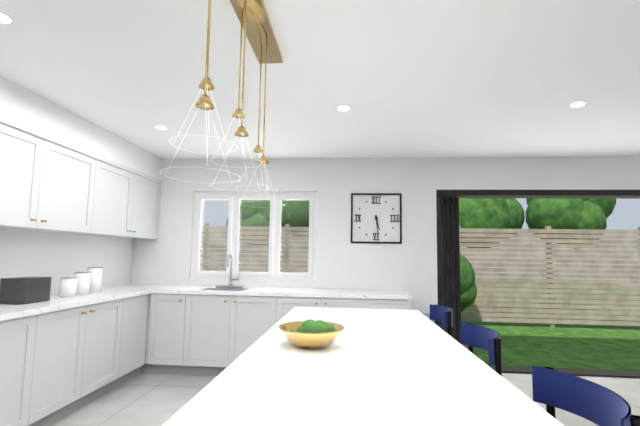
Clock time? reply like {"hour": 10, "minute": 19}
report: {"hour": 5, "minute": 29}
